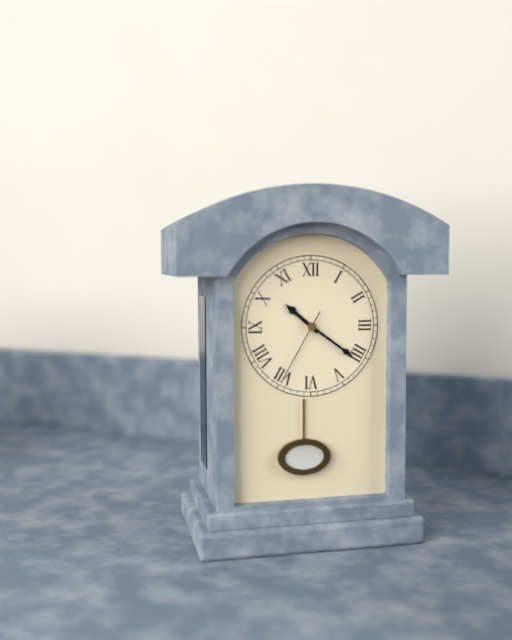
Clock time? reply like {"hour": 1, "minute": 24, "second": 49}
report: {"hour": 10, "minute": 21, "second": 35}
